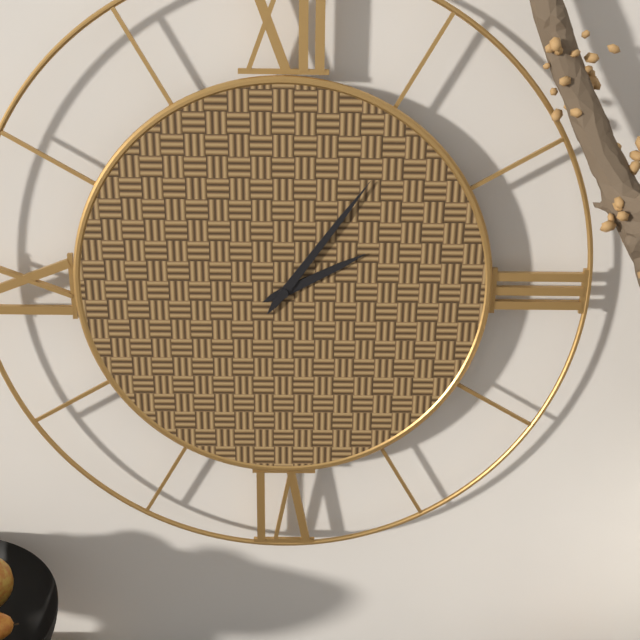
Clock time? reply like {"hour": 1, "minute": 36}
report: {"hour": 2, "minute": 6}
